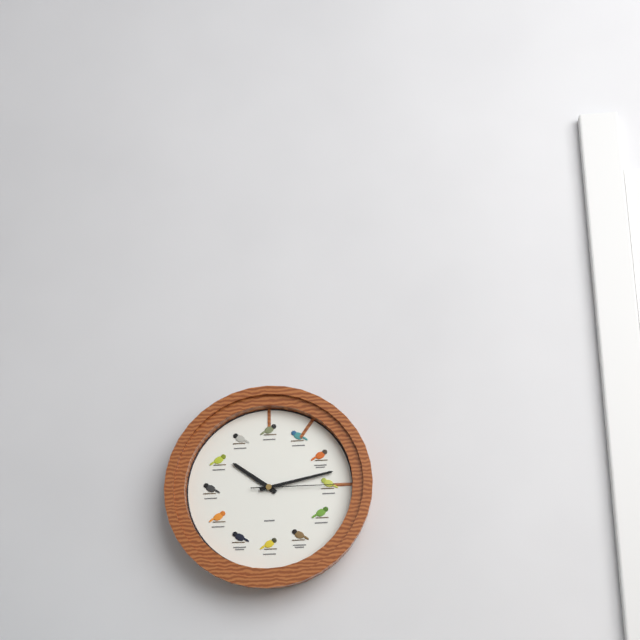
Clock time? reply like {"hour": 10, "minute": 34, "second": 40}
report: {"hour": 10, "minute": 13, "second": 15}
